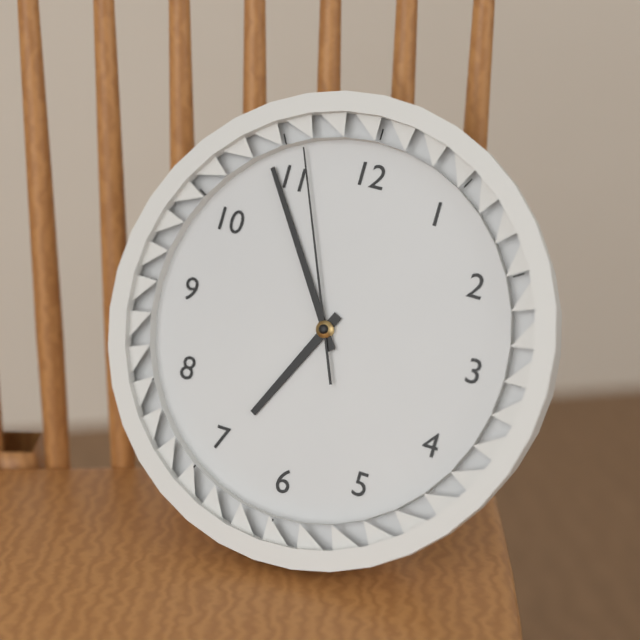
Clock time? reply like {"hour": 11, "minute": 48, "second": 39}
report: {"hour": 6, "minute": 54, "second": 56}
